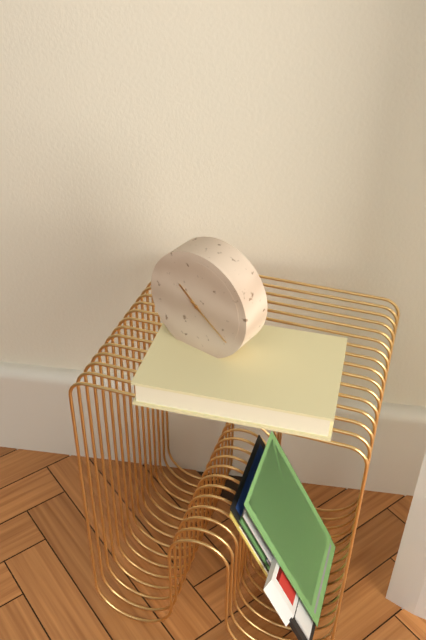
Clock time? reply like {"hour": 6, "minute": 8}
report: {"hour": 10, "minute": 21}
